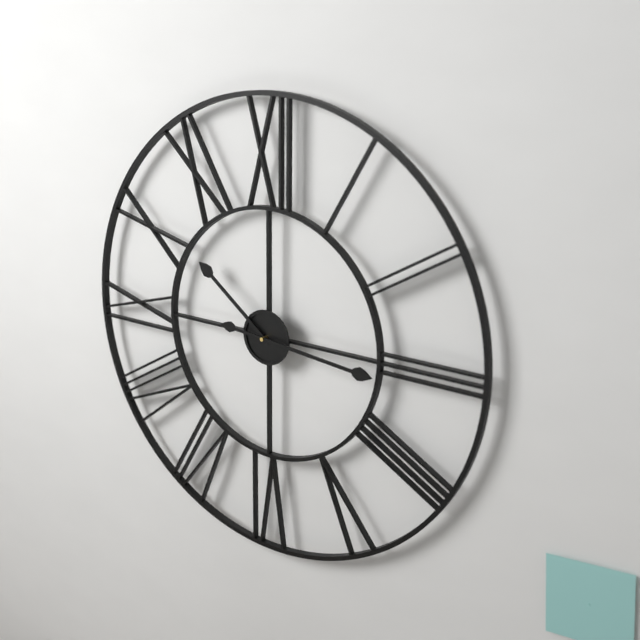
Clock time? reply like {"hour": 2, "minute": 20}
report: {"hour": 10, "minute": 16}
